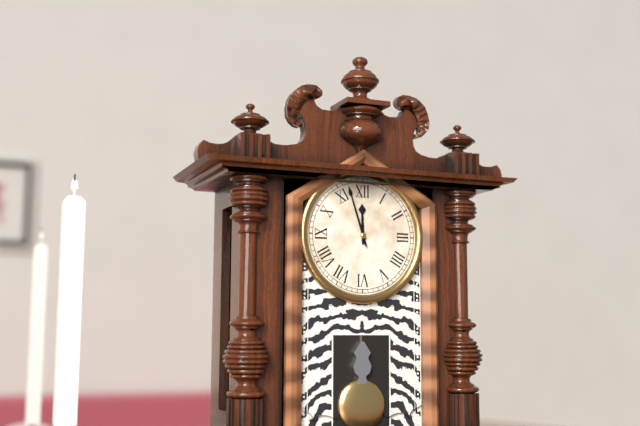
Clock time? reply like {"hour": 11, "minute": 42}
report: {"hour": 11, "minute": 57}
